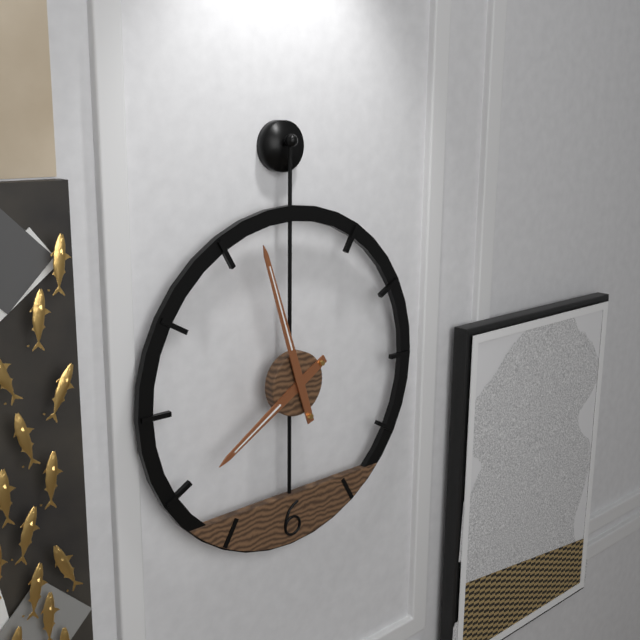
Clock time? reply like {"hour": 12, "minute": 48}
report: {"hour": 7, "minute": 57}
